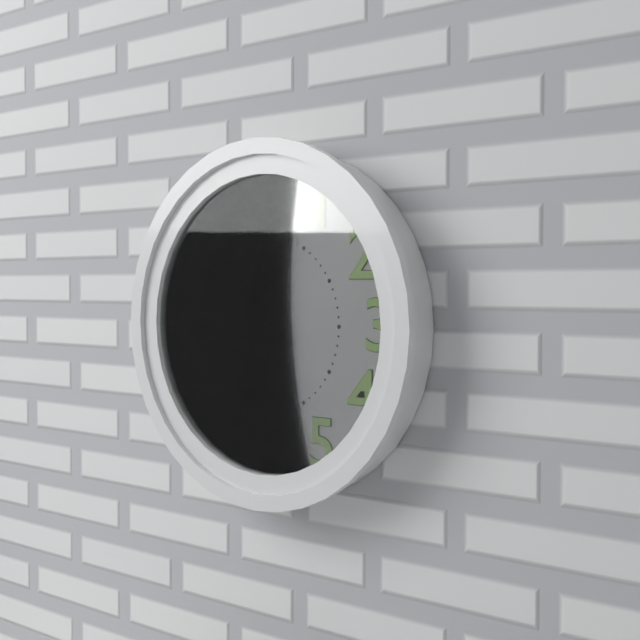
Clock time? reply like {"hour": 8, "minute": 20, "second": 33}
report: {"hour": 11, "minute": 0, "second": 50}
